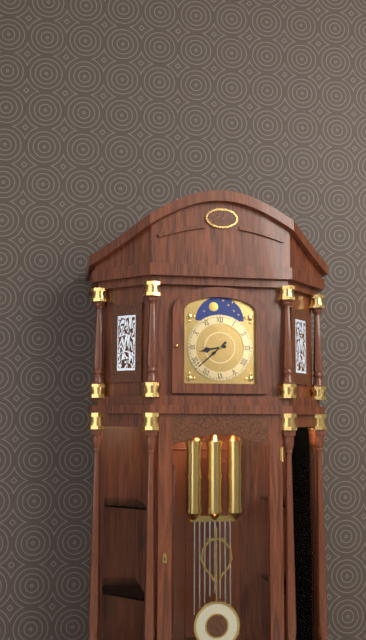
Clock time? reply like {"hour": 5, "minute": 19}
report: {"hour": 8, "minute": 38}
